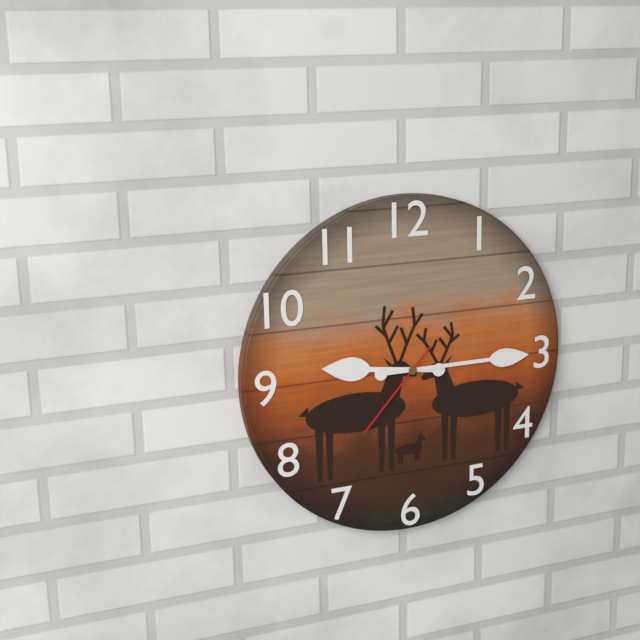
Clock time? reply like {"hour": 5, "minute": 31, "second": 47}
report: {"hour": 9, "minute": 15, "second": 37}
